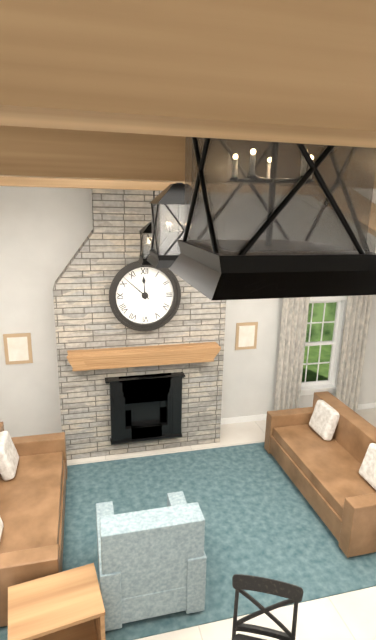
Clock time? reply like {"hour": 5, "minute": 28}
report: {"hour": 11, "minute": 52}
